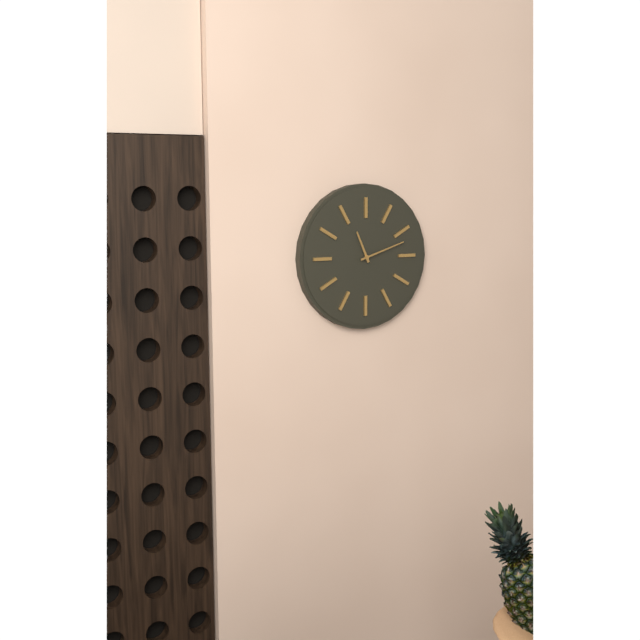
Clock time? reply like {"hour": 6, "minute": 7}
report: {"hour": 11, "minute": 12}
